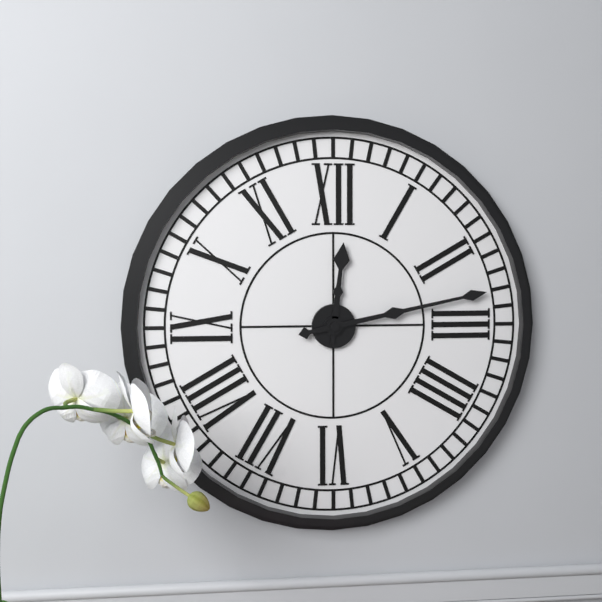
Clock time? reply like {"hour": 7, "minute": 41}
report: {"hour": 12, "minute": 13}
